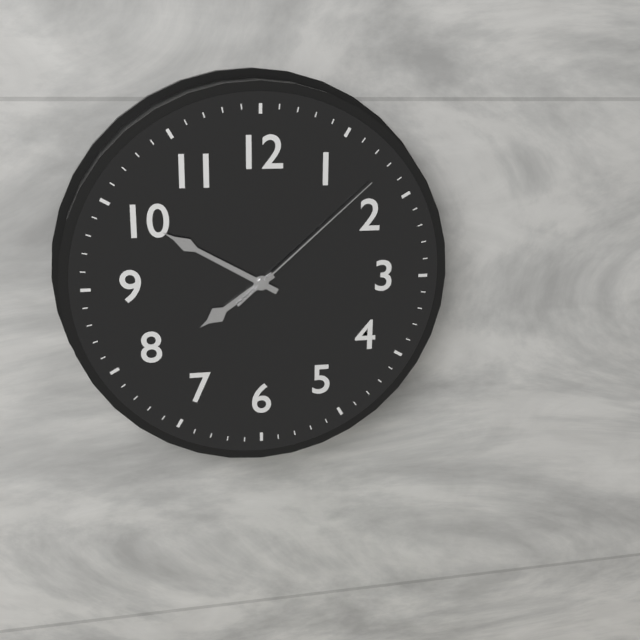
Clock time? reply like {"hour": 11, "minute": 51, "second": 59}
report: {"hour": 7, "minute": 50, "second": 8}
